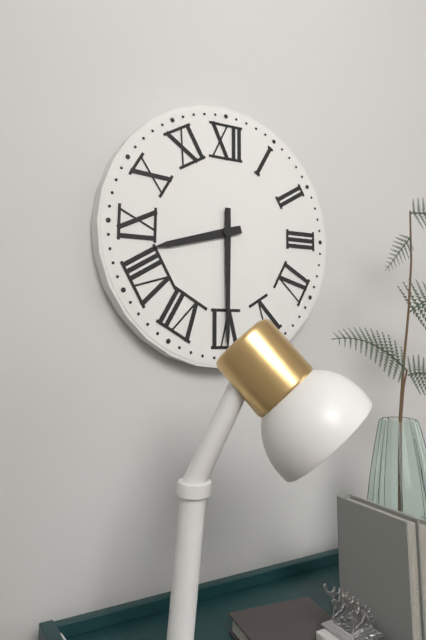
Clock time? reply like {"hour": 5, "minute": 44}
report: {"hour": 8, "minute": 30}
